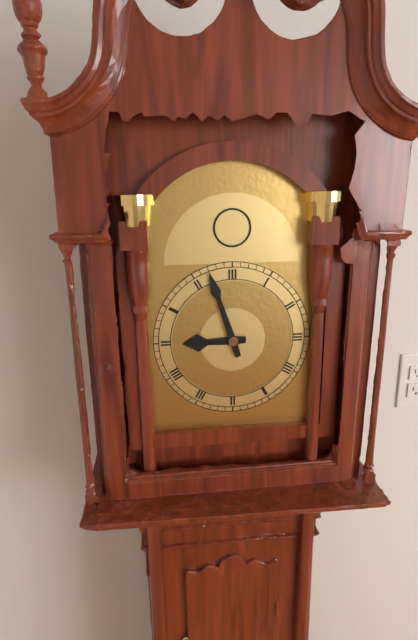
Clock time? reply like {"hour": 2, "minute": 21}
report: {"hour": 8, "minute": 57}
